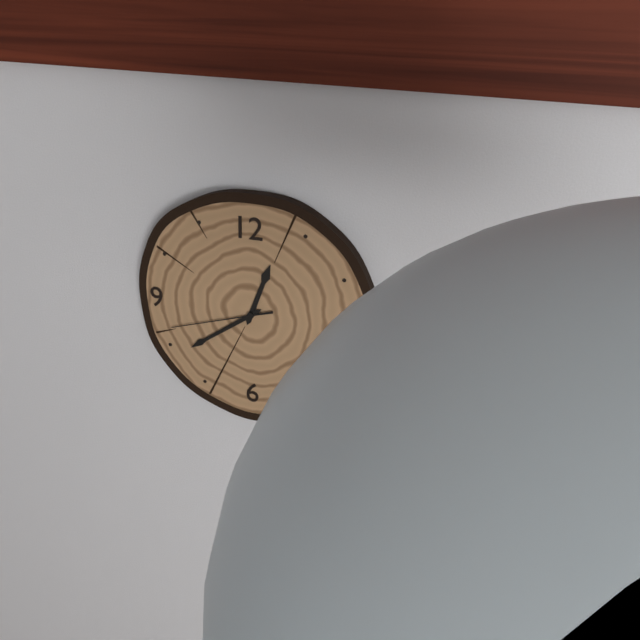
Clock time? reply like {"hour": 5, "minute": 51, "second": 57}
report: {"hour": 12, "minute": 39, "second": 42}
